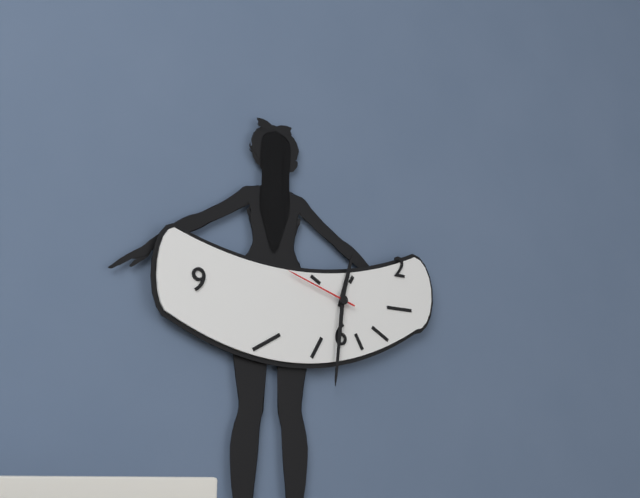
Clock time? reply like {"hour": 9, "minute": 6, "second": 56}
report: {"hour": 12, "minute": 31, "second": 48}
